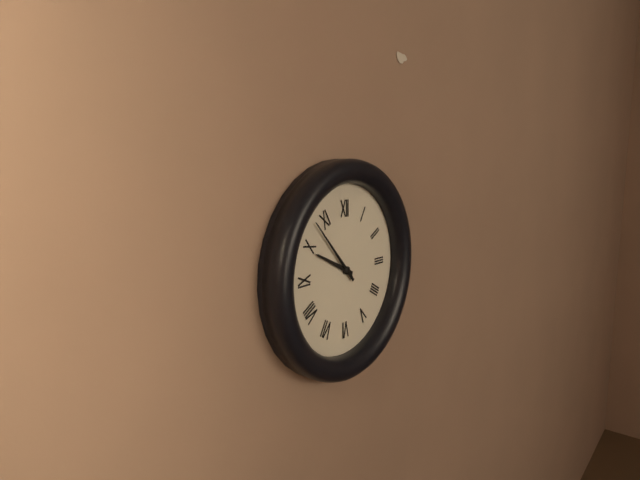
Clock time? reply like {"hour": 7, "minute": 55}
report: {"hour": 9, "minute": 53}
